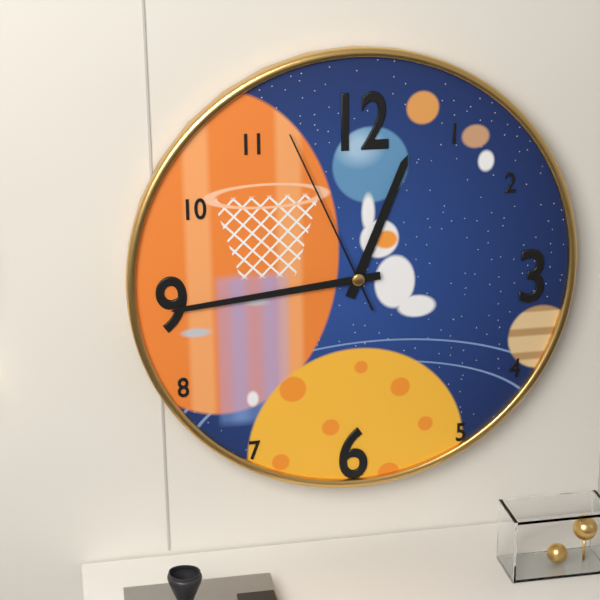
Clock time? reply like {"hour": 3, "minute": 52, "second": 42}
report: {"hour": 12, "minute": 44, "second": 56}
